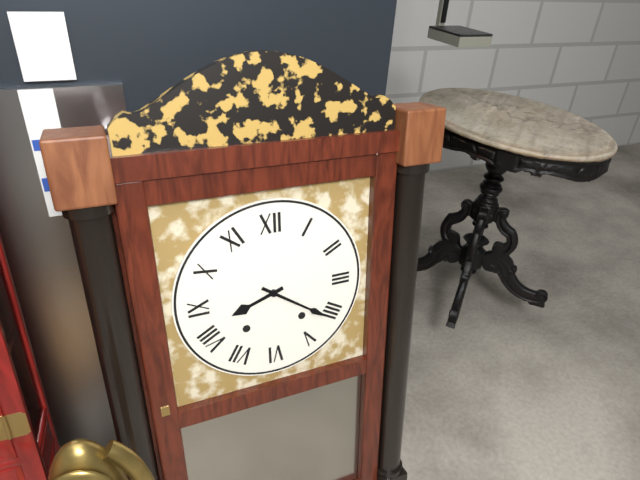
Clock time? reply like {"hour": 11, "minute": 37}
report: {"hour": 8, "minute": 21}
